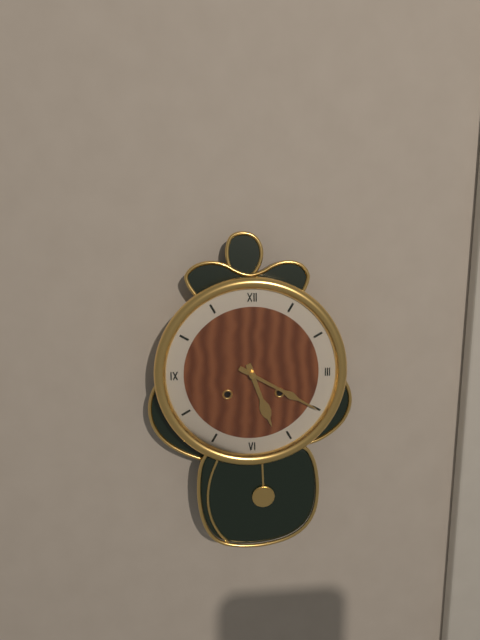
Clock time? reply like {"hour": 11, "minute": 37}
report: {"hour": 5, "minute": 20}
